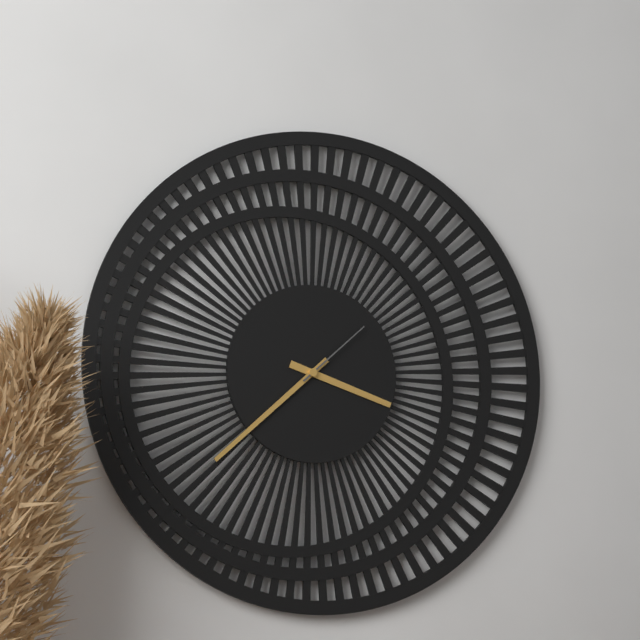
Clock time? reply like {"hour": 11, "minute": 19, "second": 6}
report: {"hour": 3, "minute": 38, "second": 8}
